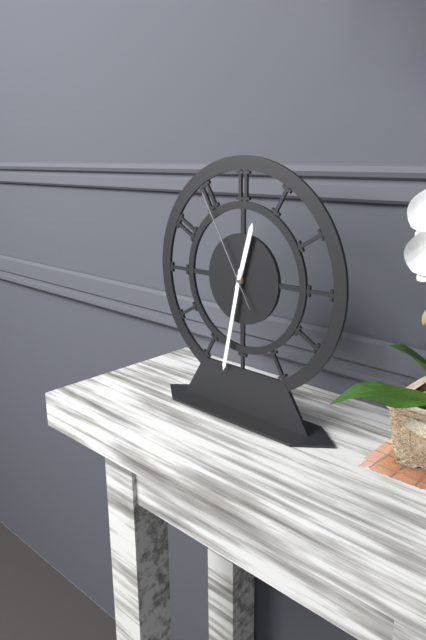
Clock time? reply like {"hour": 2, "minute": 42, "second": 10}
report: {"hour": 12, "minute": 32, "second": 55}
